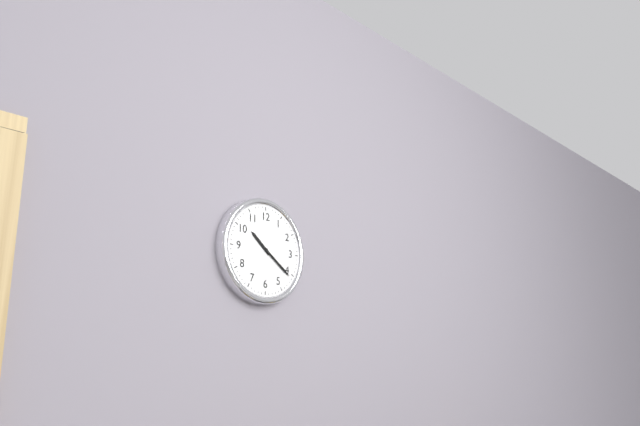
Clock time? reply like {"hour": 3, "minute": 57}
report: {"hour": 10, "minute": 21}
